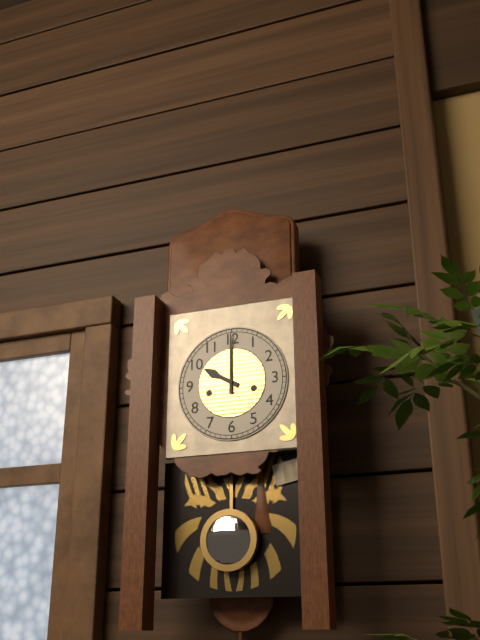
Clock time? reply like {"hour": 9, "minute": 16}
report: {"hour": 10, "minute": 0}
